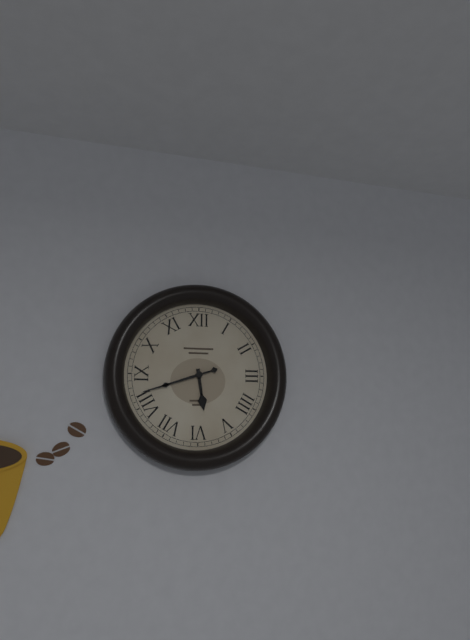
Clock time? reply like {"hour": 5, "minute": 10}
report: {"hour": 5, "minute": 42}
